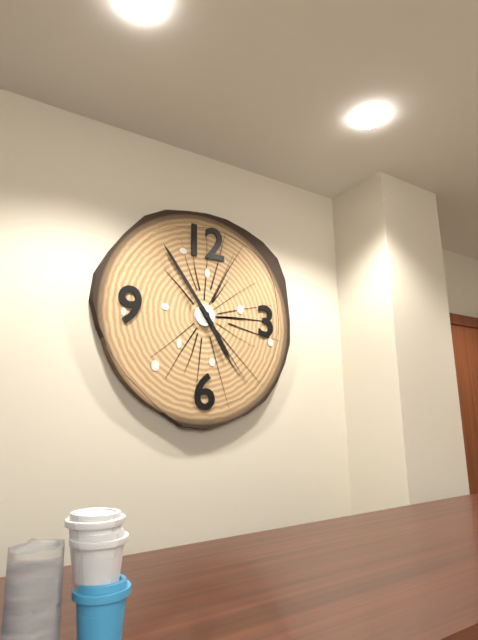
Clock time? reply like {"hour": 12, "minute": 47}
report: {"hour": 4, "minute": 54}
